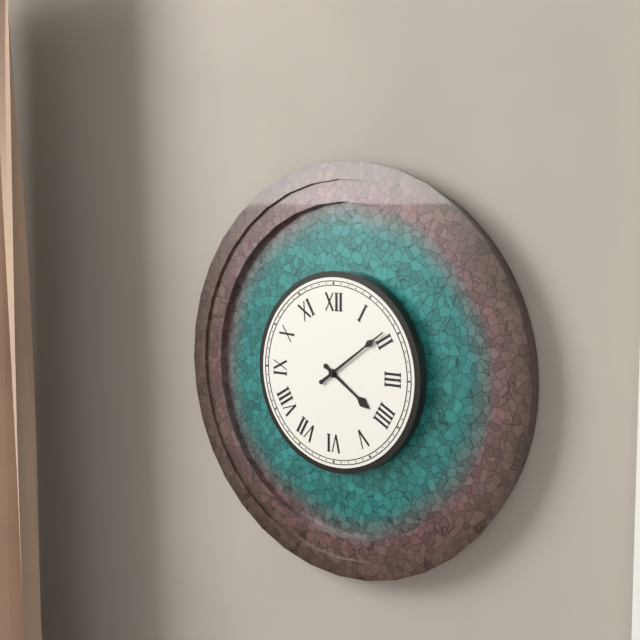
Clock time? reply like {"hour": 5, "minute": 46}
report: {"hour": 4, "minute": 9}
